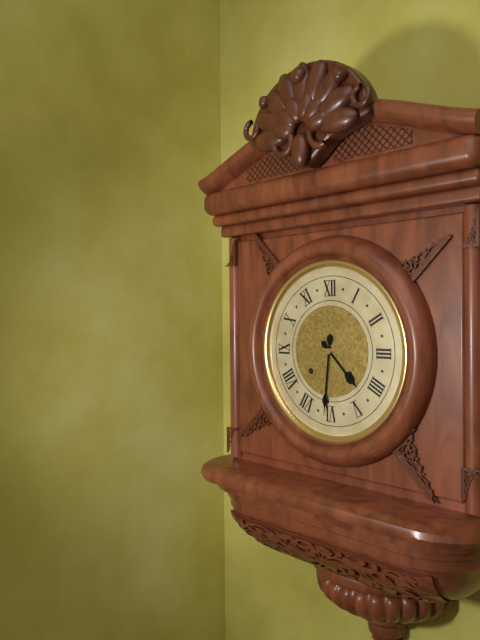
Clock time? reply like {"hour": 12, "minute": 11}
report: {"hour": 4, "minute": 31}
